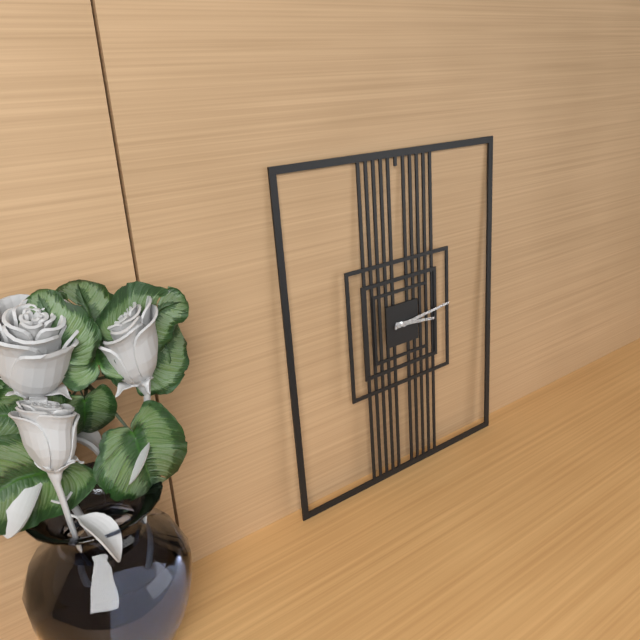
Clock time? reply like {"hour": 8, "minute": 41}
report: {"hour": 3, "minute": 14}
